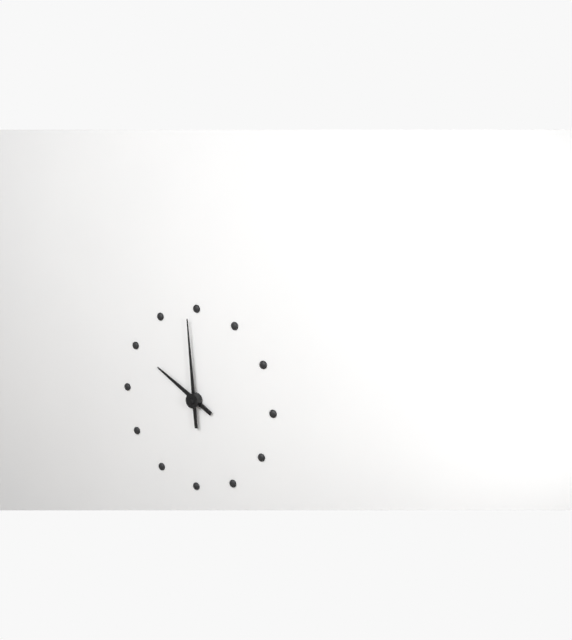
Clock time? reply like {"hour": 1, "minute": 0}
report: {"hour": 9, "minute": 59}
